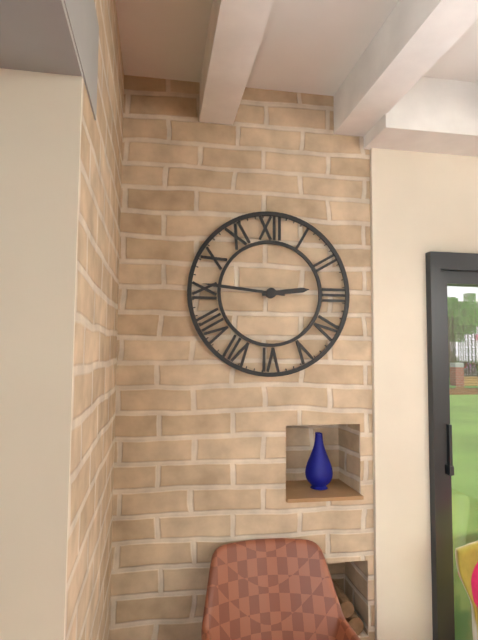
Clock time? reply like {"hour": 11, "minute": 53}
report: {"hour": 2, "minute": 46}
